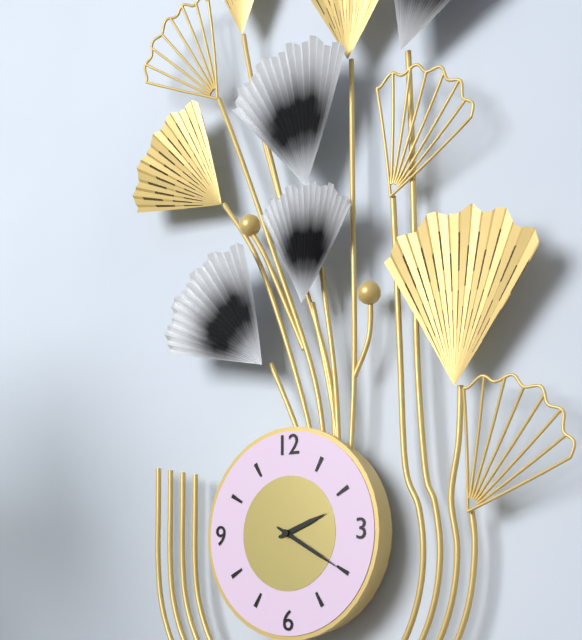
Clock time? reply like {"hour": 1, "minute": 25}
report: {"hour": 2, "minute": 20}
